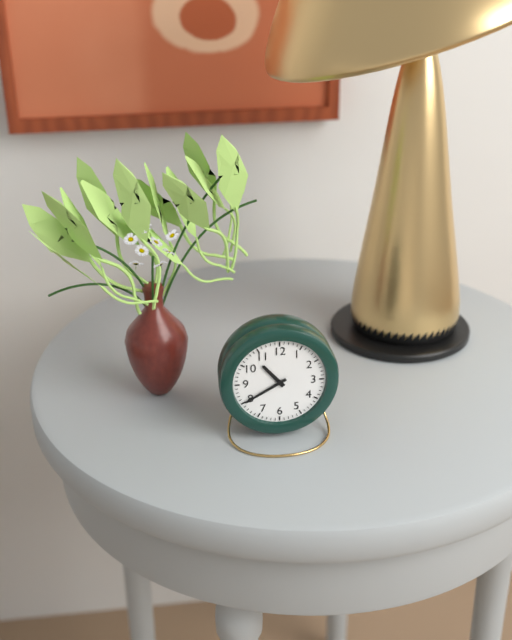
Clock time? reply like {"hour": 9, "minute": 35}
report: {"hour": 10, "minute": 40}
